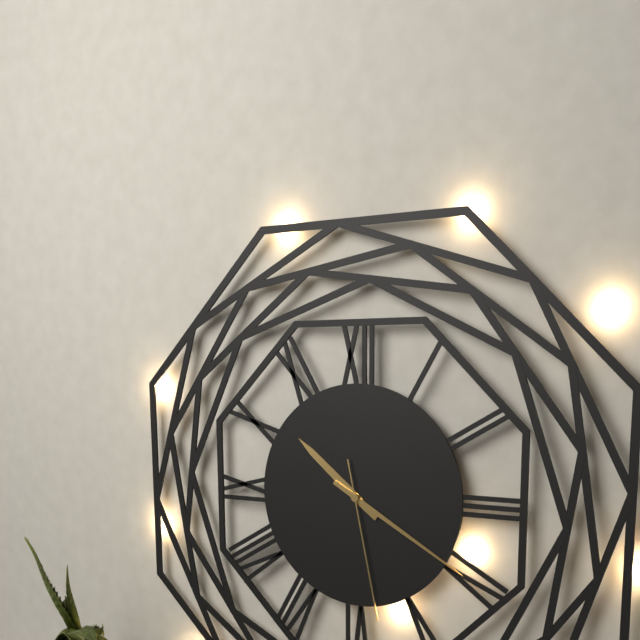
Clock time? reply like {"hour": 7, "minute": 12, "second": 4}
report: {"hour": 10, "minute": 20, "second": 28}
